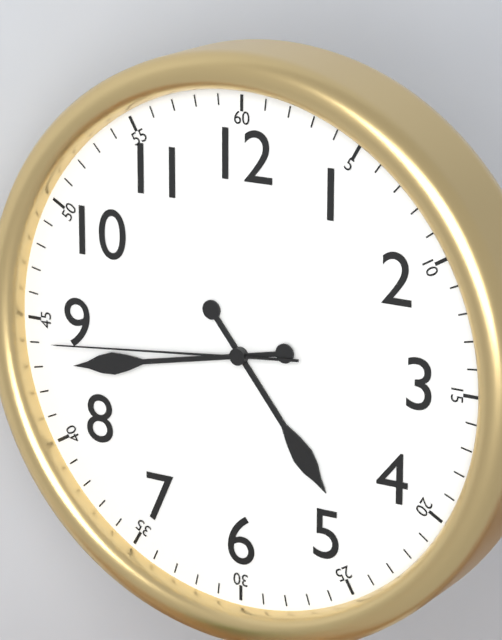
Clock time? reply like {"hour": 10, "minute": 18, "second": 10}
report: {"hour": 4, "minute": 43, "second": 44}
